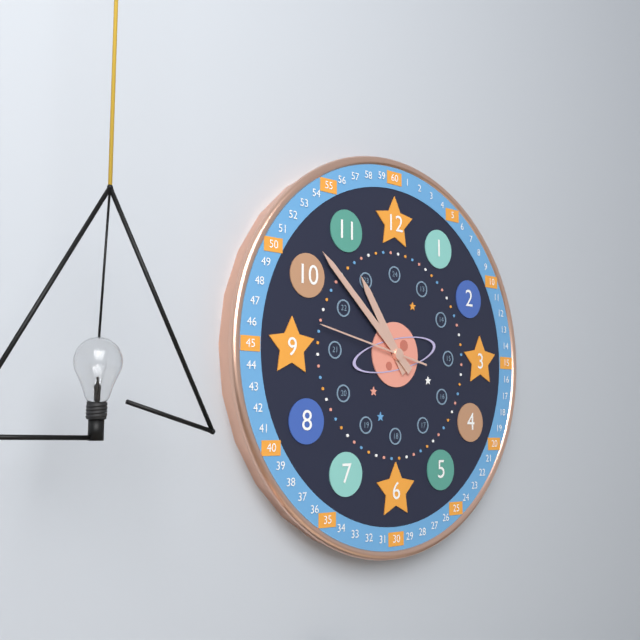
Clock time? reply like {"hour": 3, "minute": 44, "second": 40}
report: {"hour": 10, "minute": 52, "second": 47}
